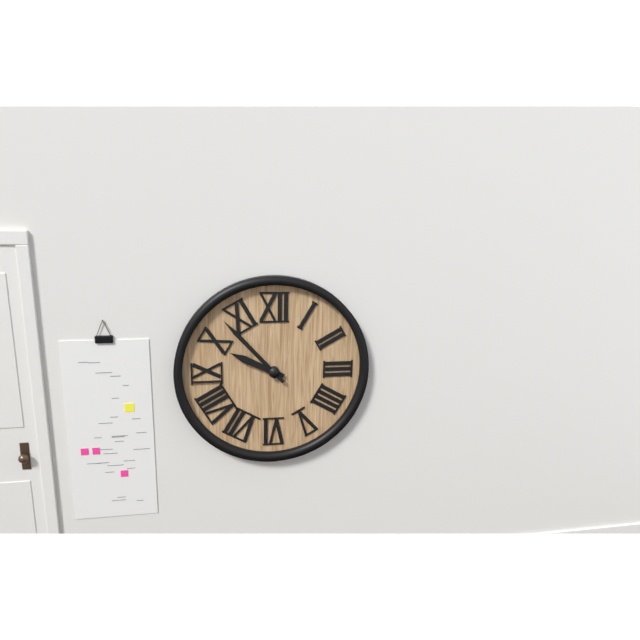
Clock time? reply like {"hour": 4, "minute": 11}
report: {"hour": 9, "minute": 53}
